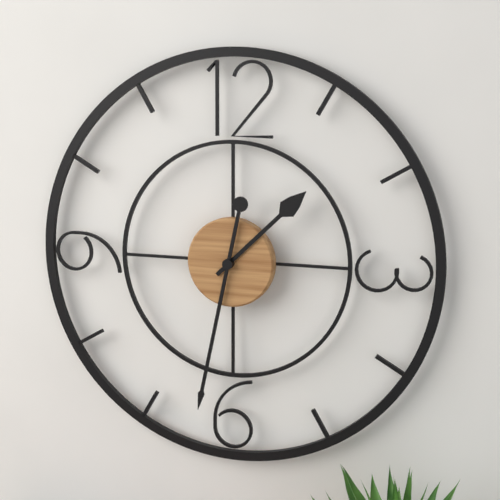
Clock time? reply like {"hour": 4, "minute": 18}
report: {"hour": 1, "minute": 32}
